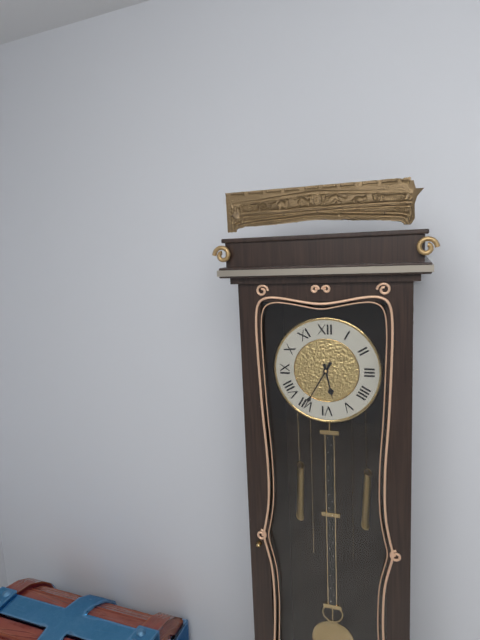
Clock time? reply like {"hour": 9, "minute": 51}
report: {"hour": 5, "minute": 35}
